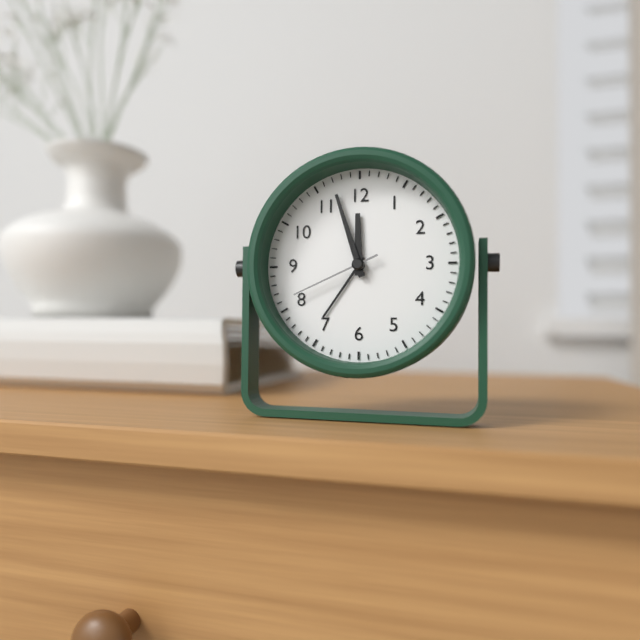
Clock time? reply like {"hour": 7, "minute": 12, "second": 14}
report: {"hour": 11, "minute": 57, "second": 41}
